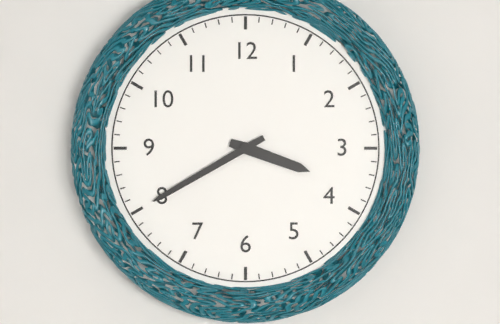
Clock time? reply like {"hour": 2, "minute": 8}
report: {"hour": 3, "minute": 40}
